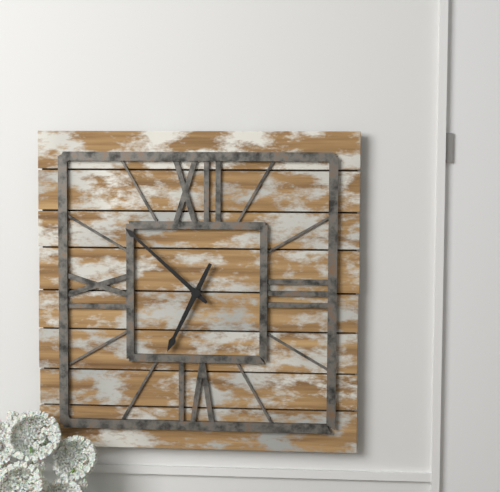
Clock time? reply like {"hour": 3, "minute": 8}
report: {"hour": 6, "minute": 52}
